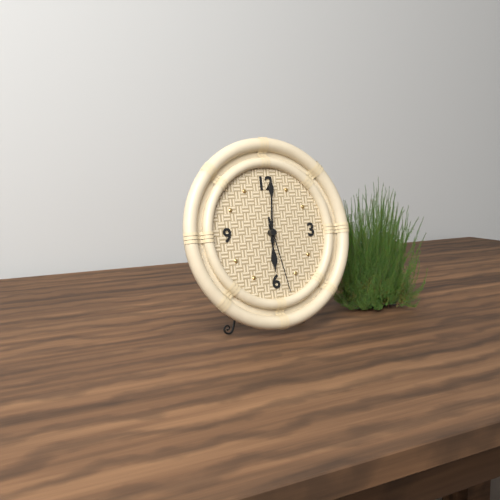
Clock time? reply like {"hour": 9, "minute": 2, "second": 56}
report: {"hour": 6, "minute": 1, "second": 28}
